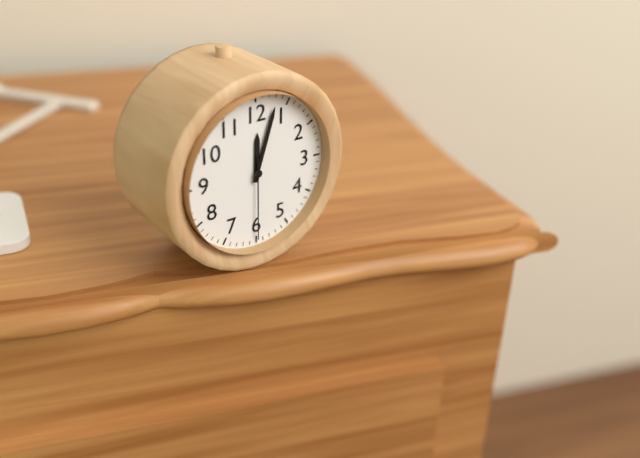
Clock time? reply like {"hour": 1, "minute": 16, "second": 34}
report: {"hour": 12, "minute": 3, "second": 30}
